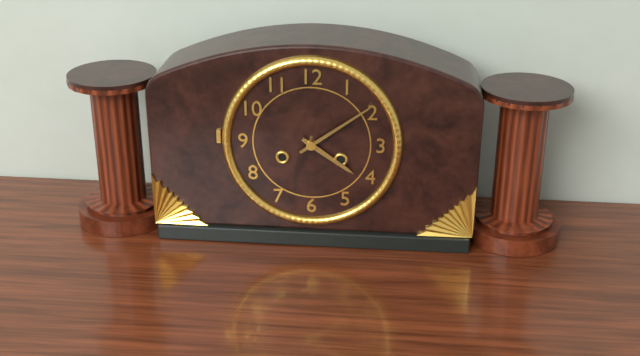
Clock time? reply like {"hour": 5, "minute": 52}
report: {"hour": 4, "minute": 9}
